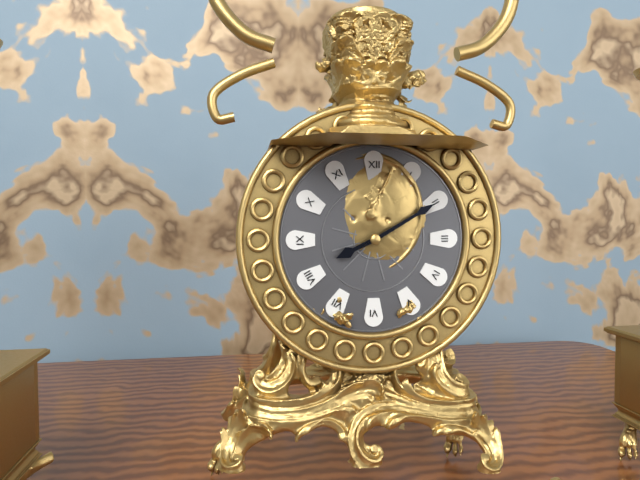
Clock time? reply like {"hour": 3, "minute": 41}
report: {"hour": 8, "minute": 10}
